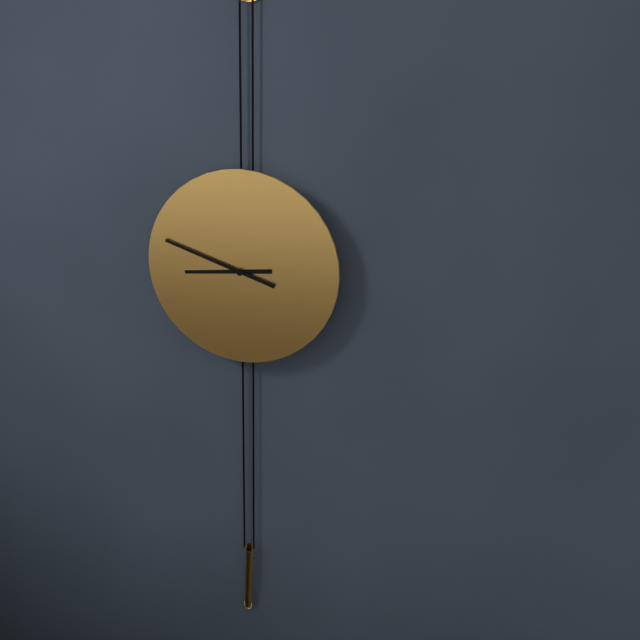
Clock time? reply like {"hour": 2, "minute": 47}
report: {"hour": 8, "minute": 48}
